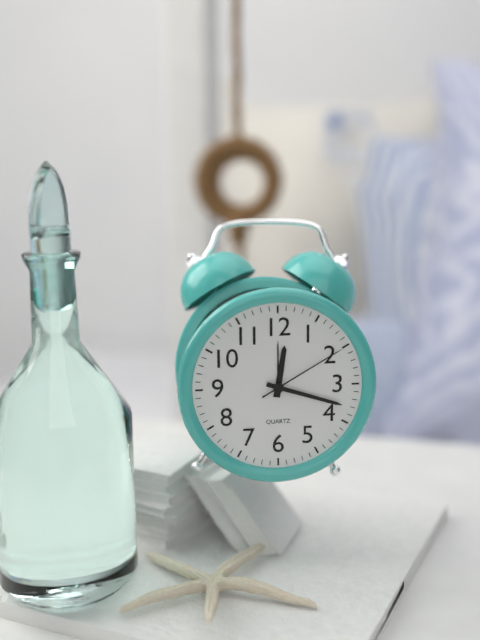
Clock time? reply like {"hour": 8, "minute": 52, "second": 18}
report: {"hour": 12, "minute": 18, "second": 10}
